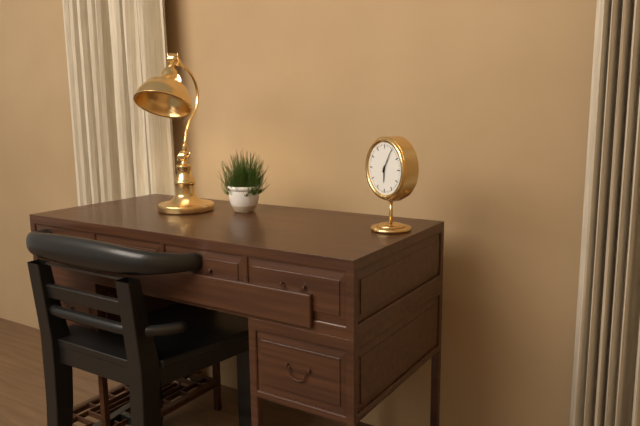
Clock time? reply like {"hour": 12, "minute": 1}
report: {"hour": 6, "minute": 5}
